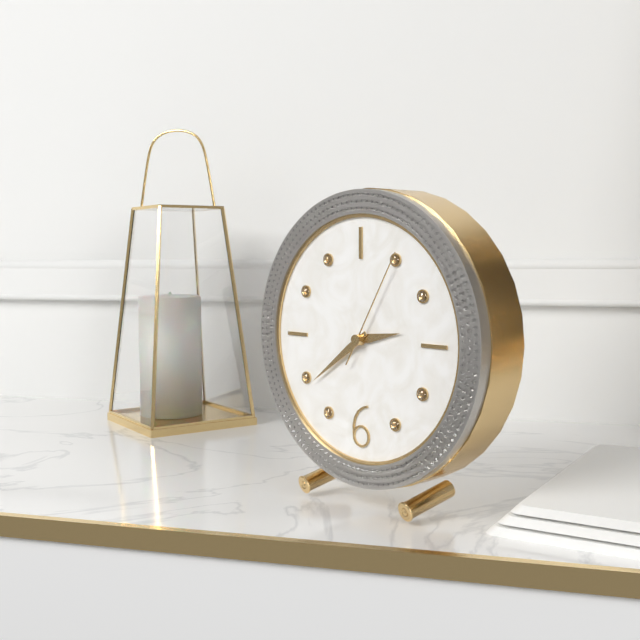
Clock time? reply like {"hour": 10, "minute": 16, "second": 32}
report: {"hour": 2, "minute": 39, "second": 5}
